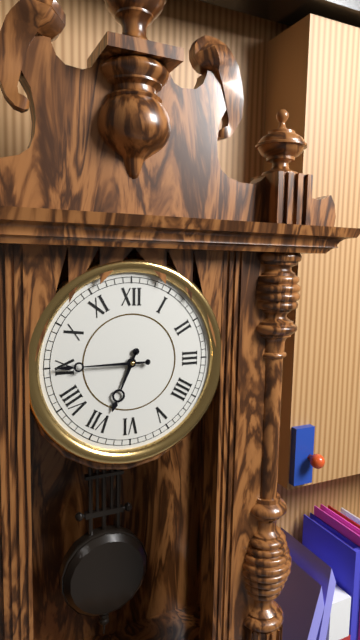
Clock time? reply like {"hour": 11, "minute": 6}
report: {"hour": 6, "minute": 45}
